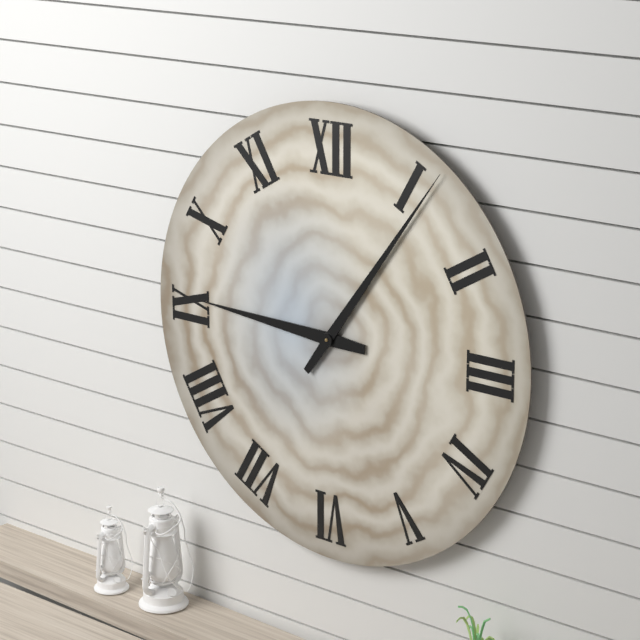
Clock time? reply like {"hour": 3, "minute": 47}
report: {"hour": 9, "minute": 6}
